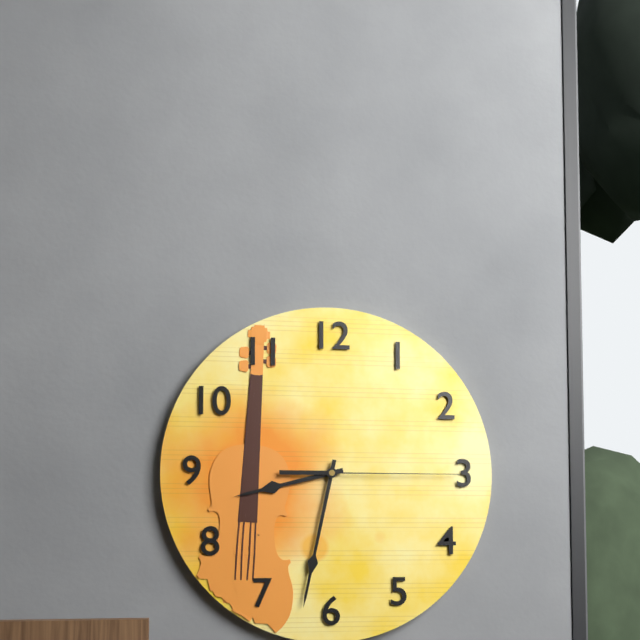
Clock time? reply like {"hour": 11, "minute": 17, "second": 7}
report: {"hour": 8, "minute": 32, "second": 15}
